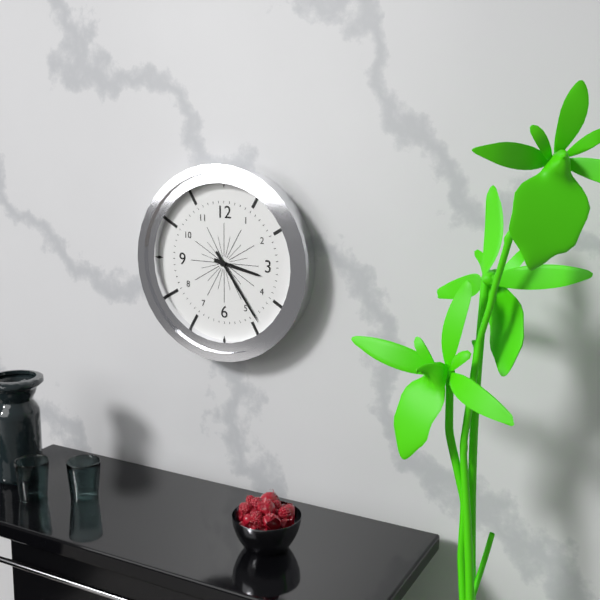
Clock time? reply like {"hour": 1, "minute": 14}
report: {"hour": 3, "minute": 24}
